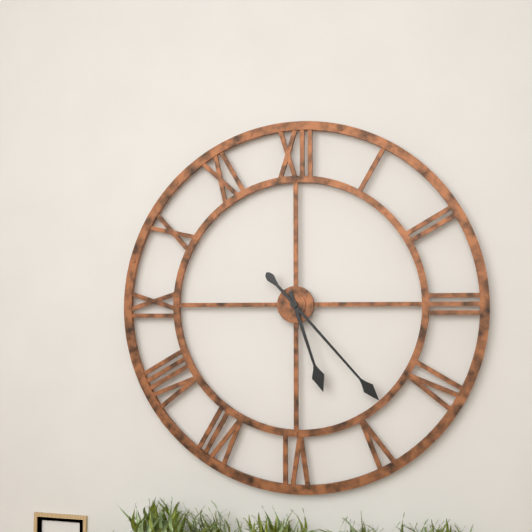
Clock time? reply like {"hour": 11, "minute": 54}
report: {"hour": 5, "minute": 23}
